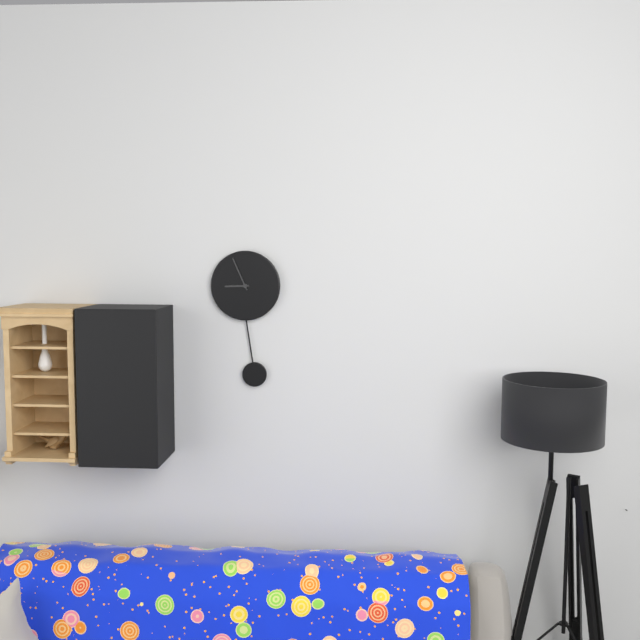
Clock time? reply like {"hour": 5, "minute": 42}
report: {"hour": 8, "minute": 56}
